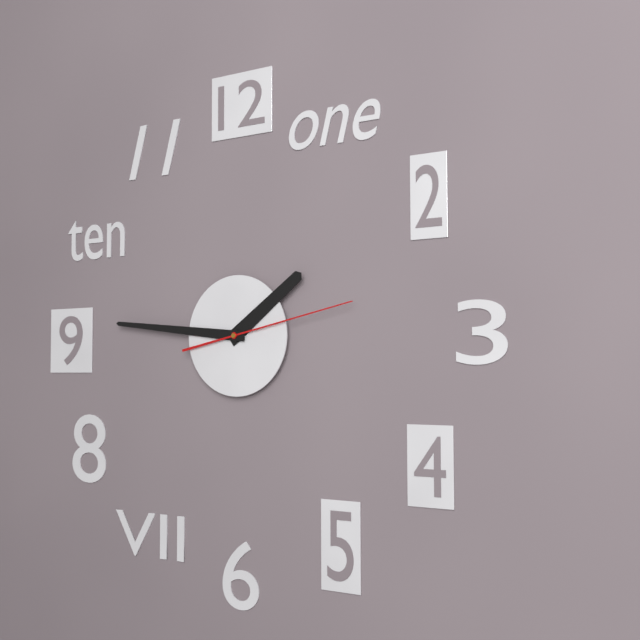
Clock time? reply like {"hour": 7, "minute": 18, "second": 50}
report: {"hour": 1, "minute": 46, "second": 13}
